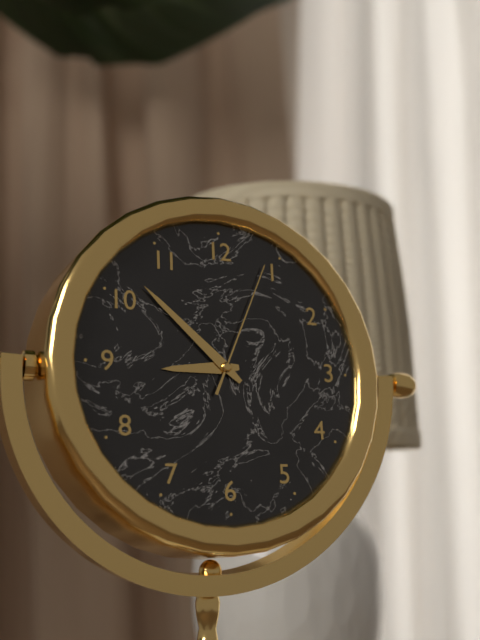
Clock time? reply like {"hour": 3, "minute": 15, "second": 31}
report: {"hour": 8, "minute": 52, "second": 4}
